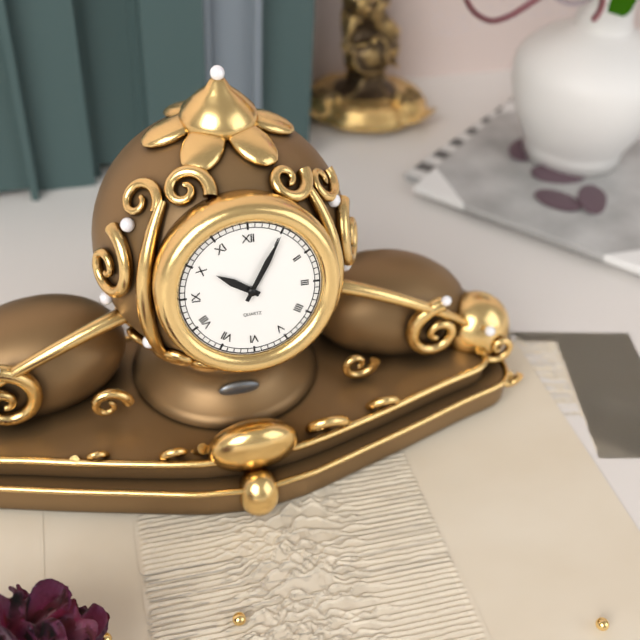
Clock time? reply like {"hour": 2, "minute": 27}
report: {"hour": 10, "minute": 5}
